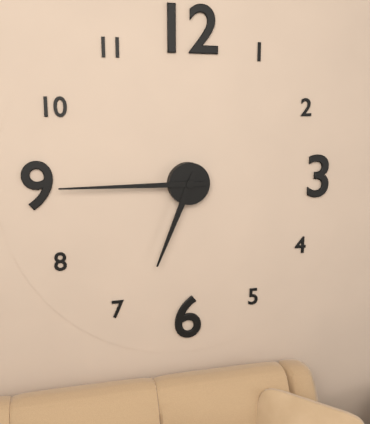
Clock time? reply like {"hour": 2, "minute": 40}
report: {"hour": 6, "minute": 45}
